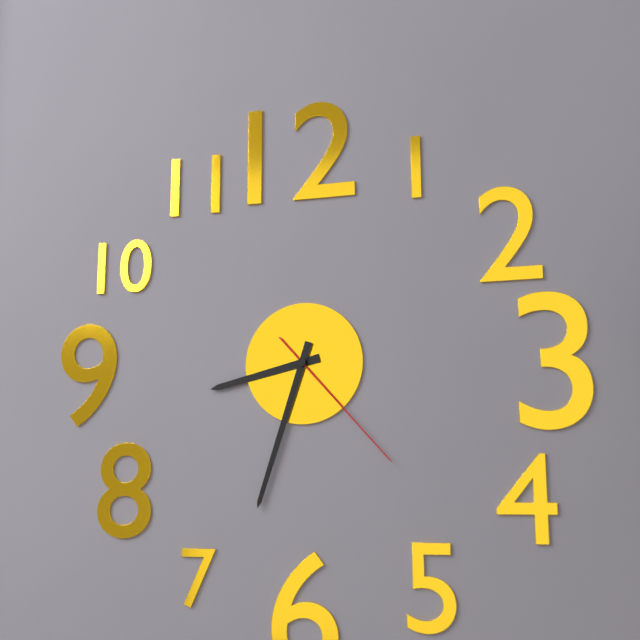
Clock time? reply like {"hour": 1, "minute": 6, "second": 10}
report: {"hour": 8, "minute": 33, "second": 23}
